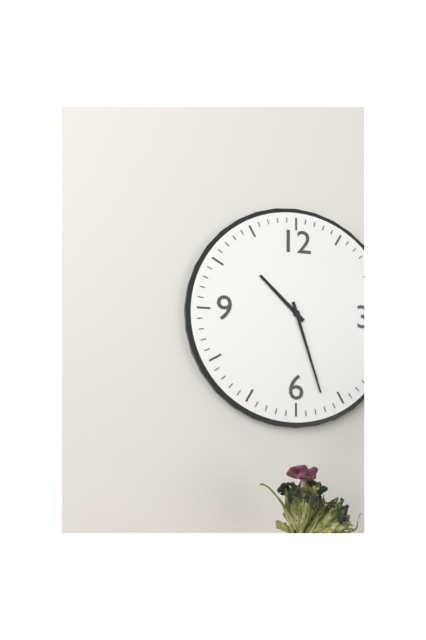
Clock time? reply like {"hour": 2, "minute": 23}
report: {"hour": 10, "minute": 27}
